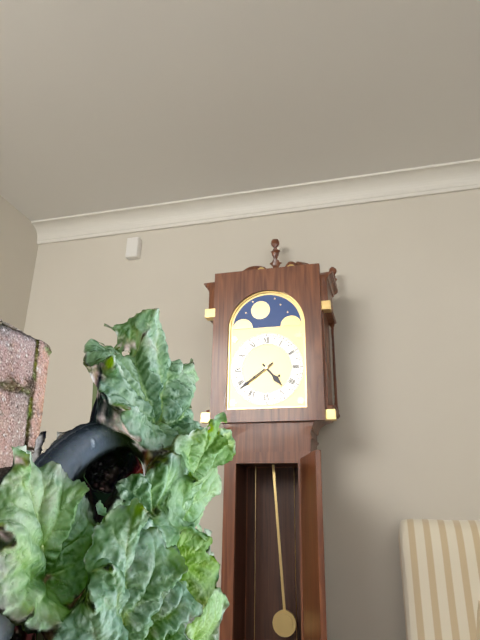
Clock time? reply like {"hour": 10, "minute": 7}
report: {"hour": 4, "minute": 39}
